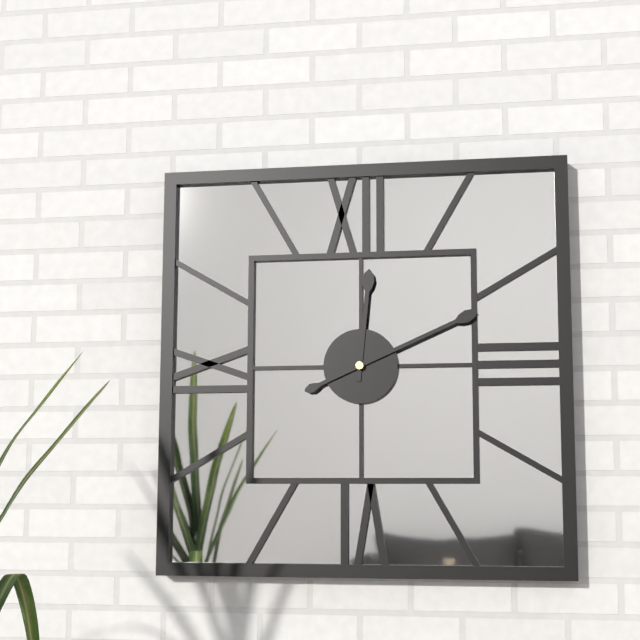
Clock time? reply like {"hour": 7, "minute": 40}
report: {"hour": 12, "minute": 11}
